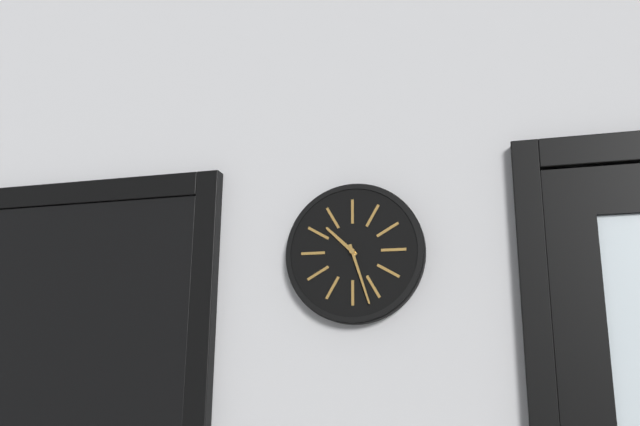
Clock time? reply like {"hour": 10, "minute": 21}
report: {"hour": 10, "minute": 27}
